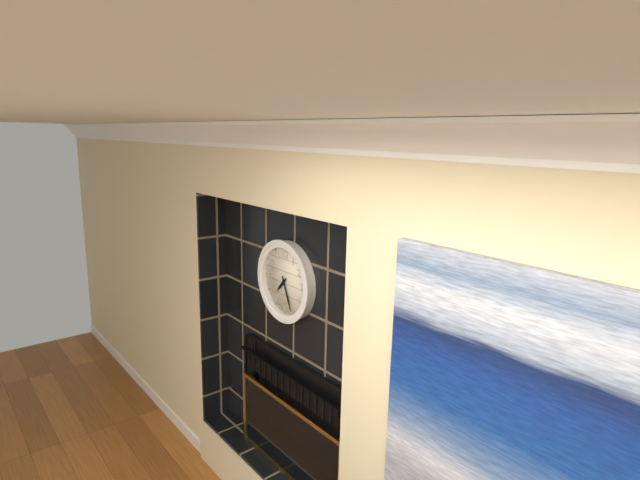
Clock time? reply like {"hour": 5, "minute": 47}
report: {"hour": 7, "minute": 26}
